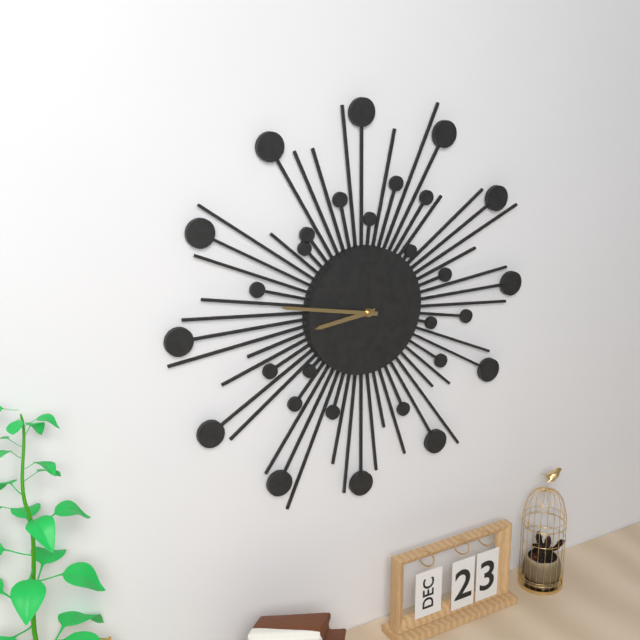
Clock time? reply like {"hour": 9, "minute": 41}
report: {"hour": 8, "minute": 47}
